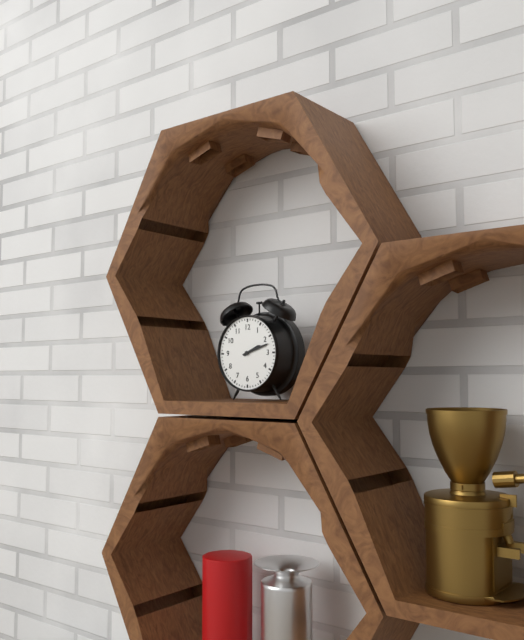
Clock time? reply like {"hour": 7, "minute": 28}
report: {"hour": 2, "minute": 12}
